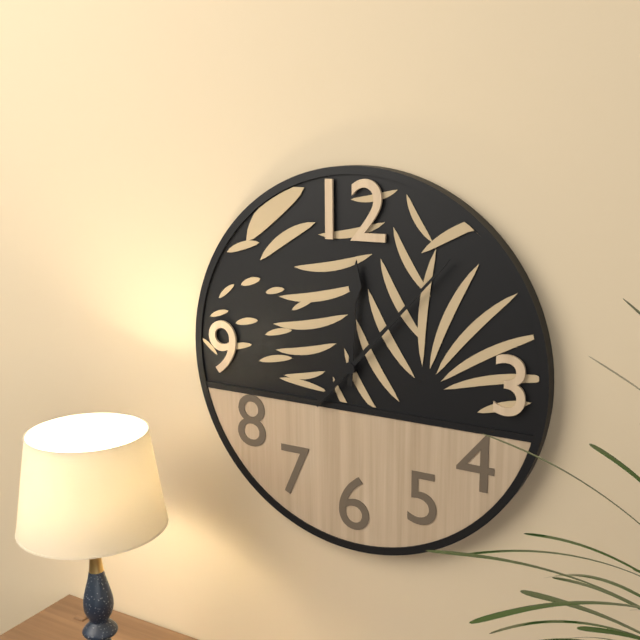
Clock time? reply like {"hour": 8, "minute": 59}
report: {"hour": 12, "minute": 7}
